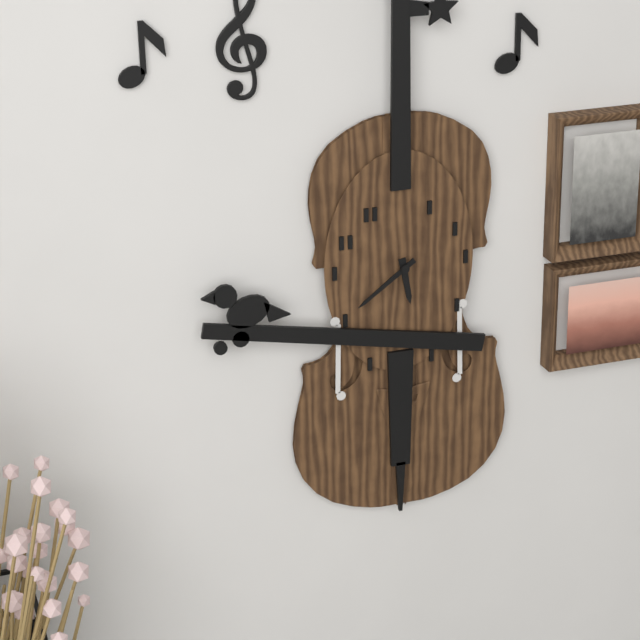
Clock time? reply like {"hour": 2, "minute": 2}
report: {"hour": 5, "minute": 39}
